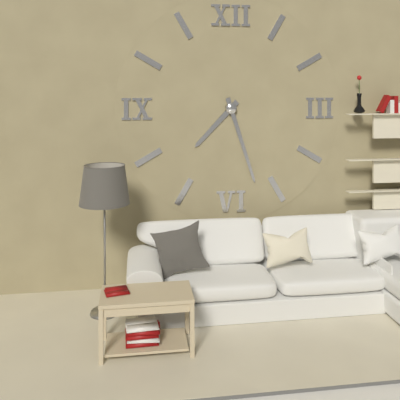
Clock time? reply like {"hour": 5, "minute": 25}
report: {"hour": 7, "minute": 27}
